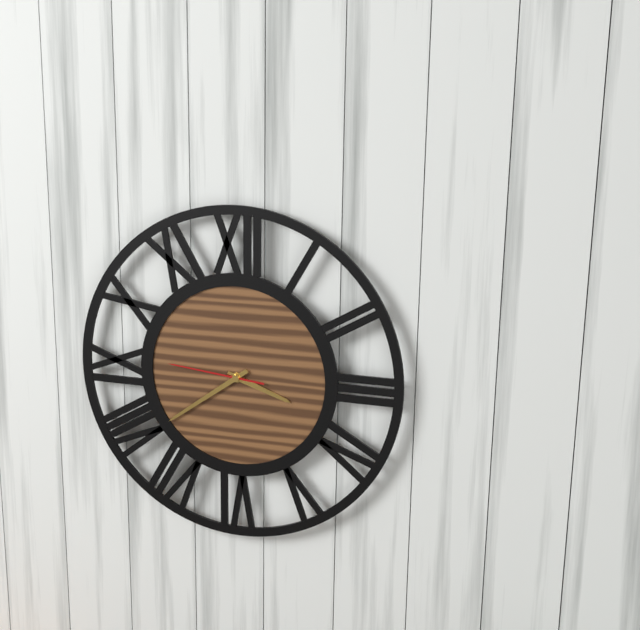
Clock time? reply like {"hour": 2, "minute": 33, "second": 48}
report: {"hour": 3, "minute": 39, "second": 46}
